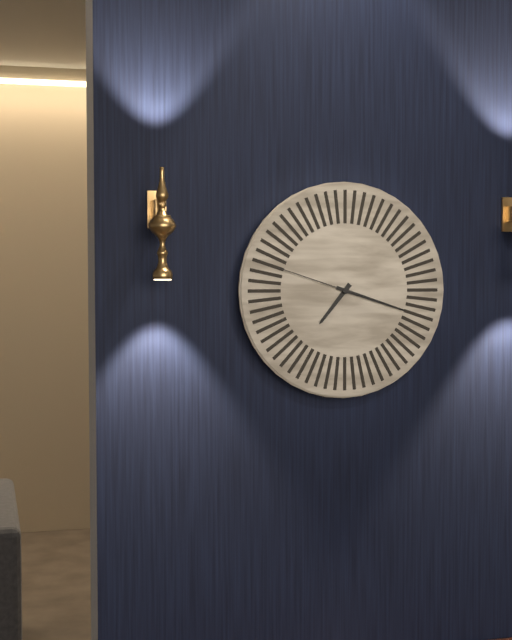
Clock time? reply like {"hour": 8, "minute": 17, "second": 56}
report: {"hour": 7, "minute": 18, "second": 48}
